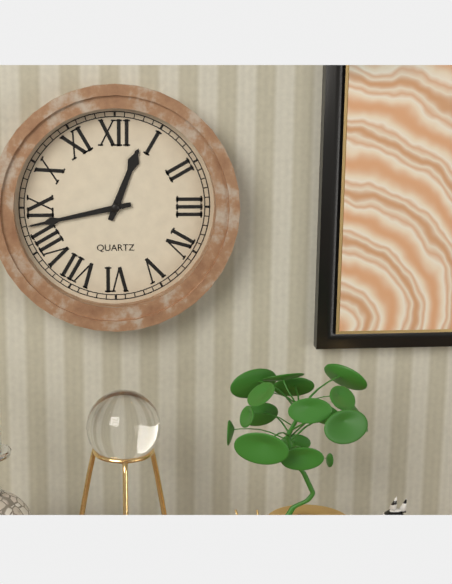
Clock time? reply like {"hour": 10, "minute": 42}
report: {"hour": 12, "minute": 43}
